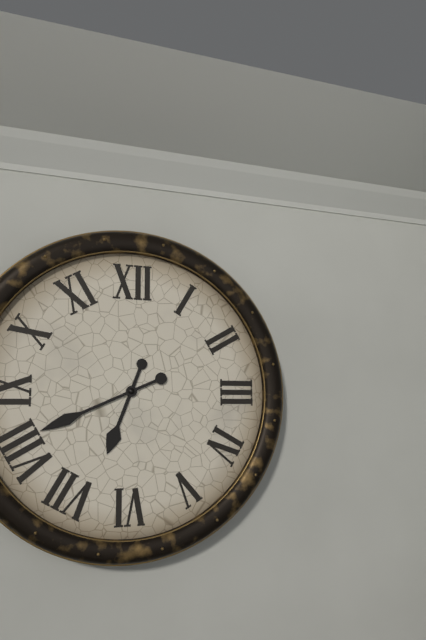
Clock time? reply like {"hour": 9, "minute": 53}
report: {"hour": 6, "minute": 41}
